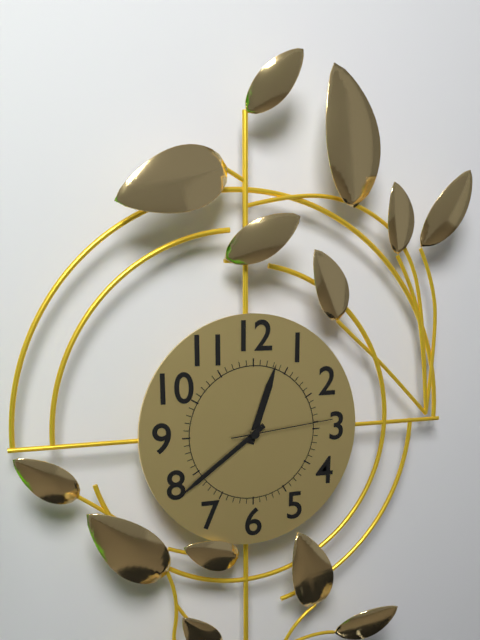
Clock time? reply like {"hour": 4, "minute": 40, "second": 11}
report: {"hour": 12, "minute": 39, "second": 14}
